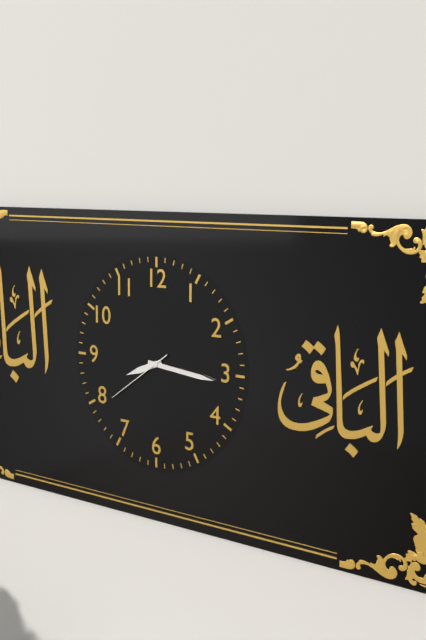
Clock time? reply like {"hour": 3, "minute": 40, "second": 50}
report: {"hour": 8, "minute": 16, "second": 39}
